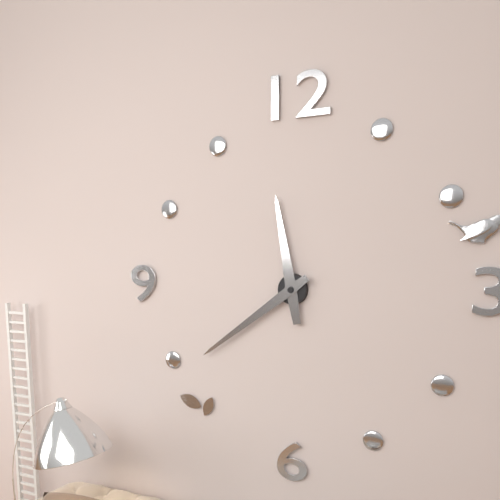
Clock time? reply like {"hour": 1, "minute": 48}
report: {"hour": 11, "minute": 39}
